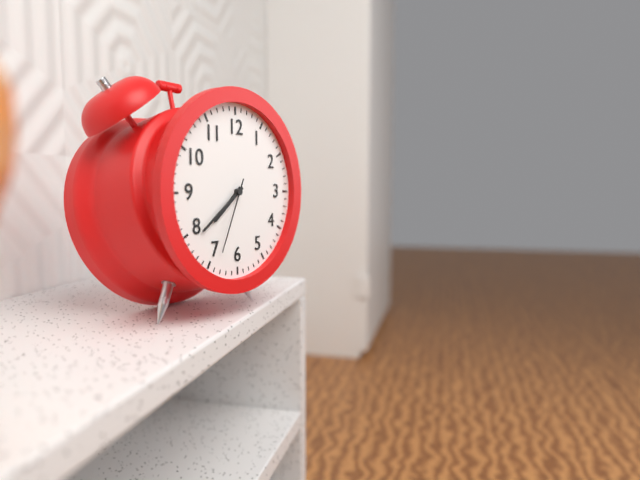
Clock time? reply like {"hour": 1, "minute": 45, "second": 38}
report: {"hour": 7, "minute": 39, "second": 34}
